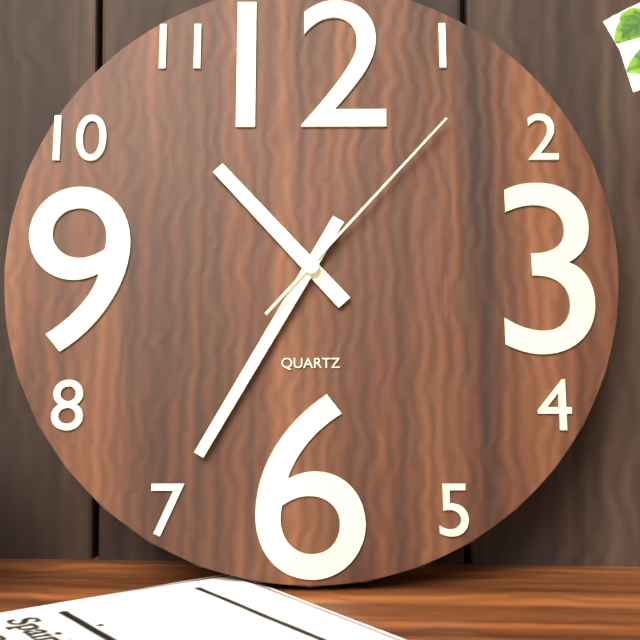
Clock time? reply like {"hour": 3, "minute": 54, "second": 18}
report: {"hour": 10, "minute": 35, "second": 7}
